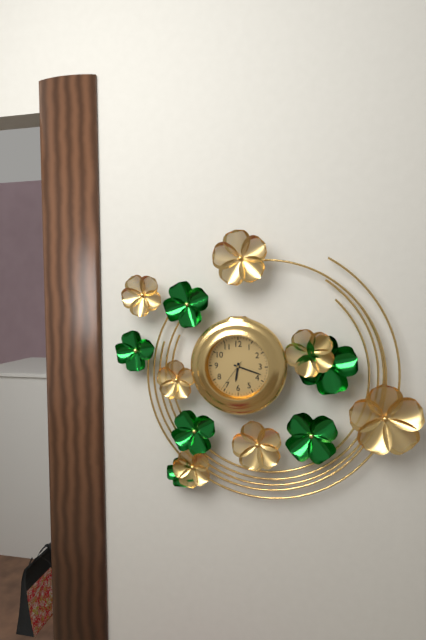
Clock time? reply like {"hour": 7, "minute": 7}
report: {"hour": 6, "minute": 18}
